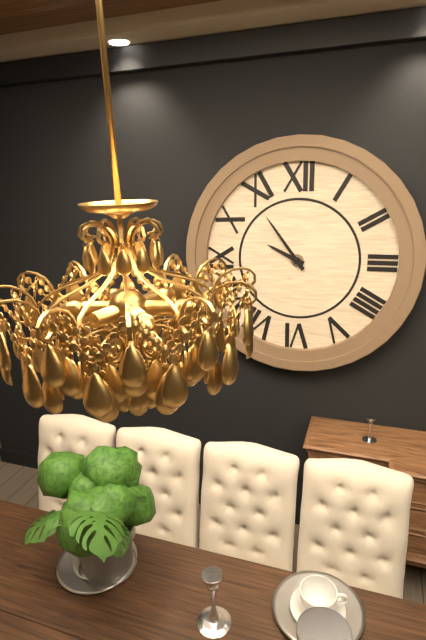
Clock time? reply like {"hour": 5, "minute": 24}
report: {"hour": 9, "minute": 54}
